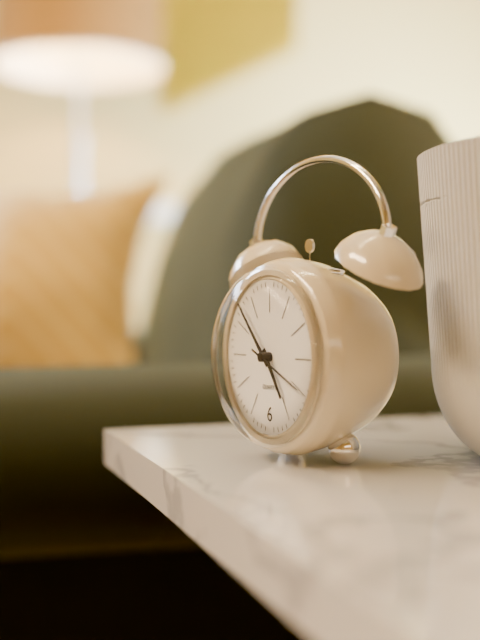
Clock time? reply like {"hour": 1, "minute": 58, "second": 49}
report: {"hour": 4, "minute": 53, "second": 19}
